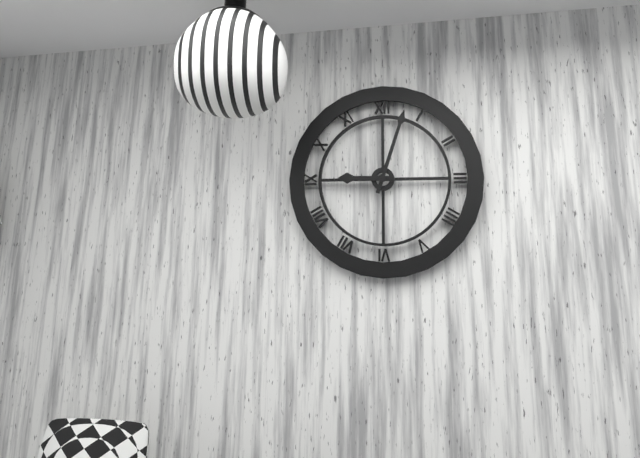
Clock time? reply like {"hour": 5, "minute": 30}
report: {"hour": 9, "minute": 3}
